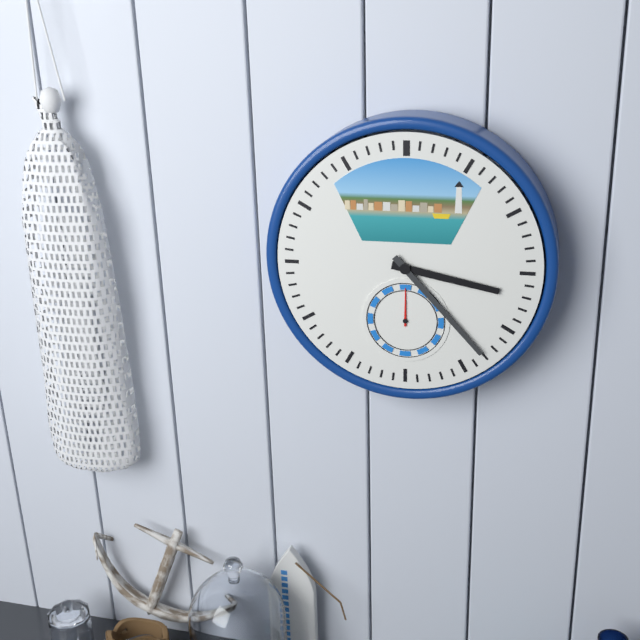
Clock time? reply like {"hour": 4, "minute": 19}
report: {"hour": 3, "minute": 23}
